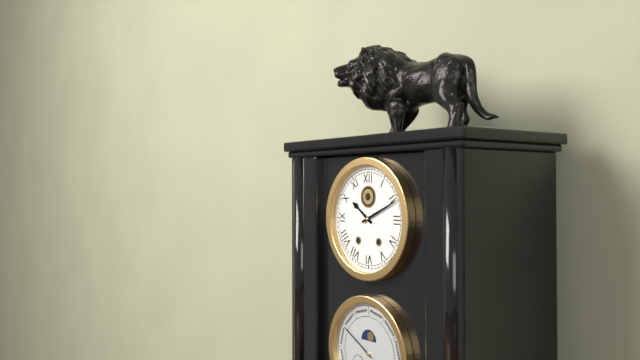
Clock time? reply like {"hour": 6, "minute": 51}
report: {"hour": 10, "minute": 11}
